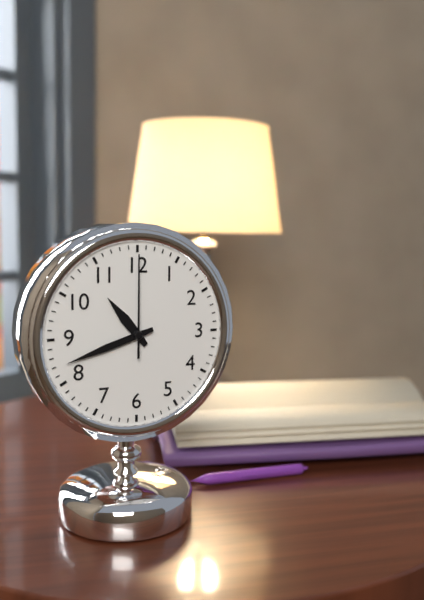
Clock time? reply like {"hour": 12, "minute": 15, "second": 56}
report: {"hour": 10, "minute": 42, "second": 0}
